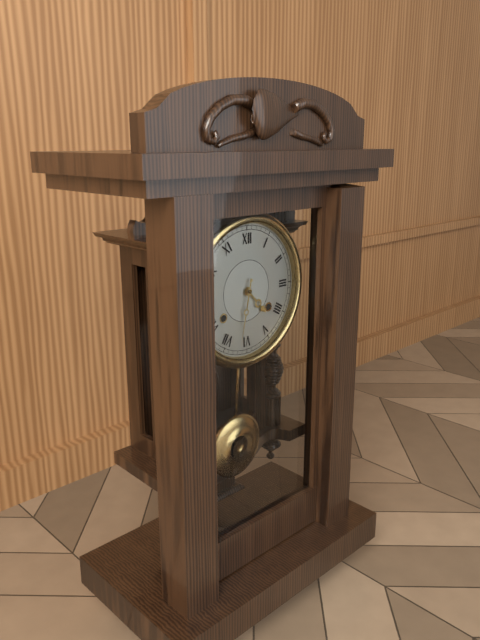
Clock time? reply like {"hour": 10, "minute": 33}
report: {"hour": 4, "minute": 32}
